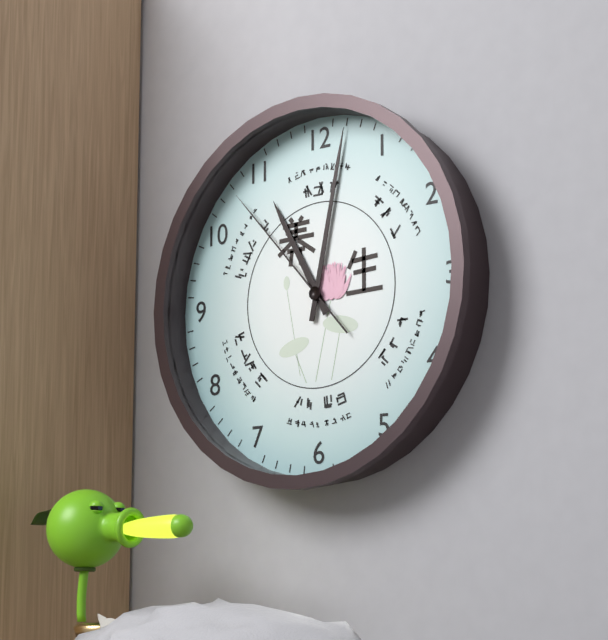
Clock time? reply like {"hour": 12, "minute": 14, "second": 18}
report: {"hour": 11, "minute": 2, "second": 53}
